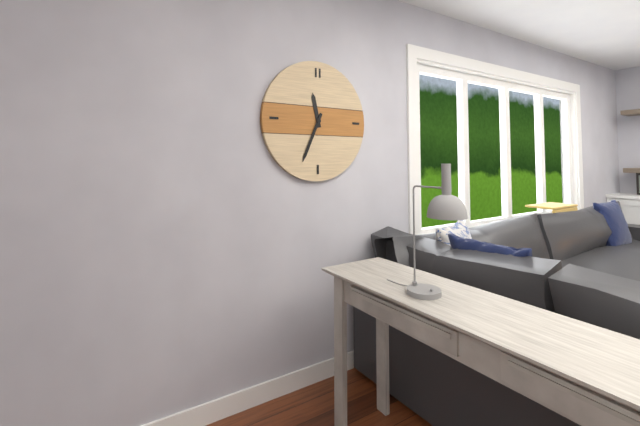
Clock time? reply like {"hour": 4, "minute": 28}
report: {"hour": 11, "minute": 34}
